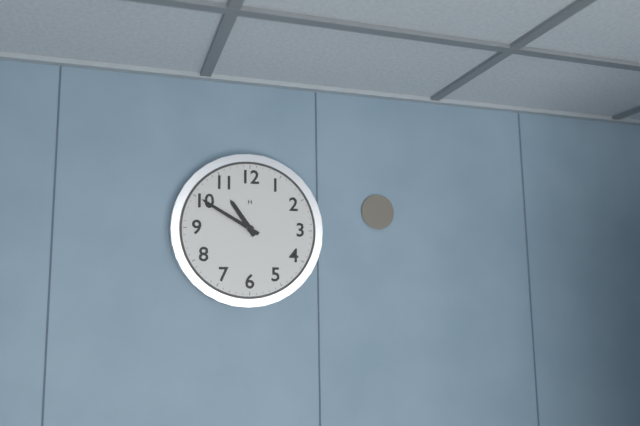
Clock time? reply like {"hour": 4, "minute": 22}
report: {"hour": 10, "minute": 50}
